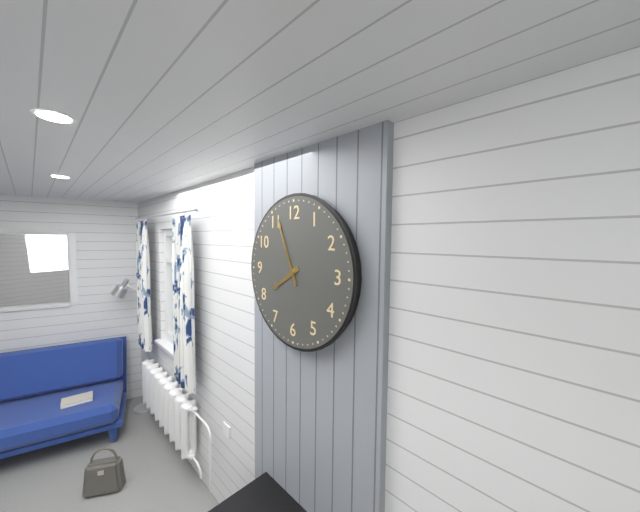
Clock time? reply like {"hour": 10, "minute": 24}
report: {"hour": 7, "minute": 56}
